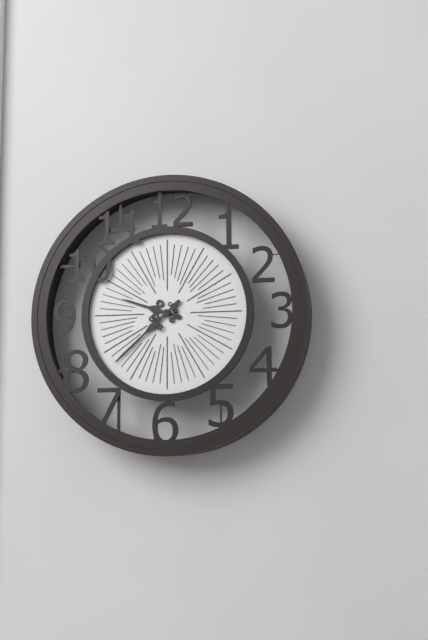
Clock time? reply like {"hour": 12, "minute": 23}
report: {"hour": 9, "minute": 38}
